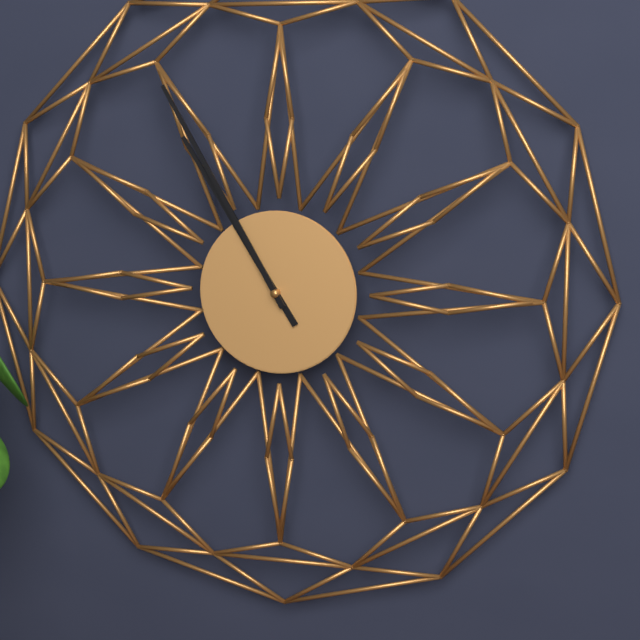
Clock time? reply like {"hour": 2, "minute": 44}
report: {"hour": 10, "minute": 55}
